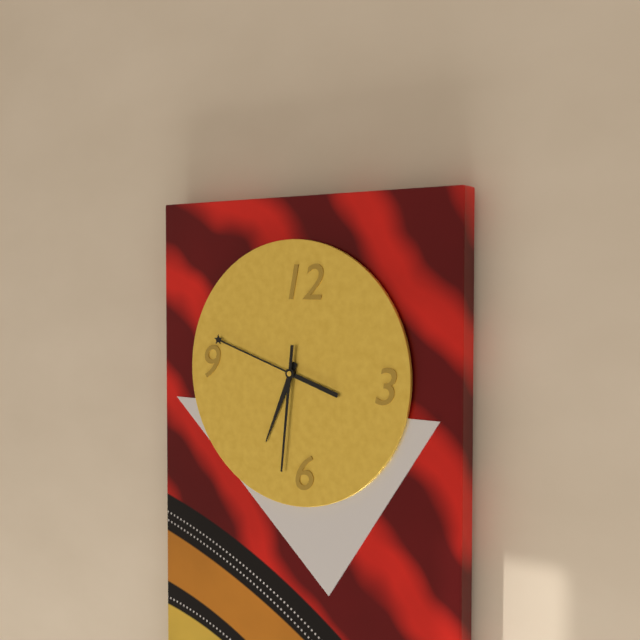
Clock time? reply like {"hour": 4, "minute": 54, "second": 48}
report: {"hour": 6, "minute": 48, "second": 31}
